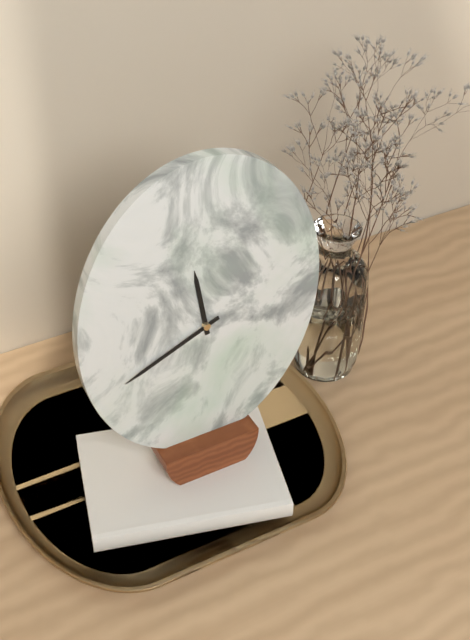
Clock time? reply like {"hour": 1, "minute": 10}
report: {"hour": 11, "minute": 41}
